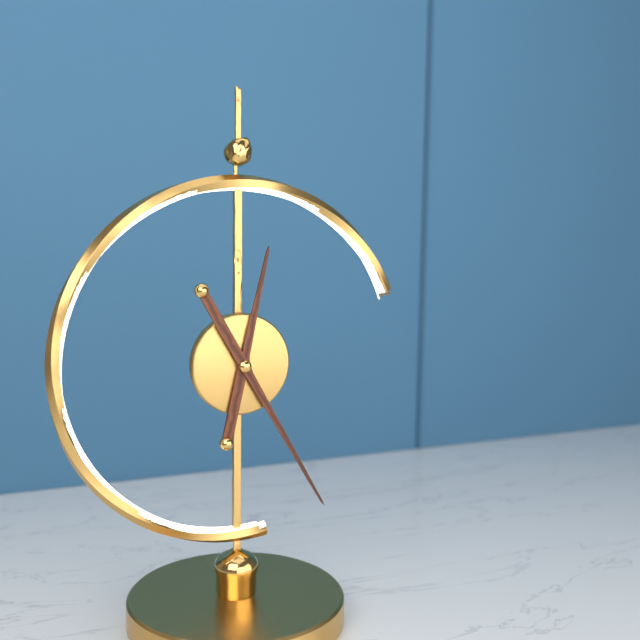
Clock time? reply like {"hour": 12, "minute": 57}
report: {"hour": 12, "minute": 25}
